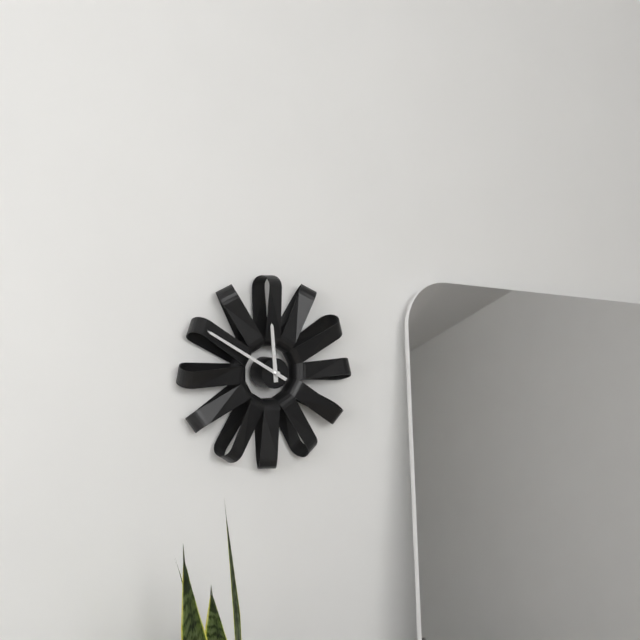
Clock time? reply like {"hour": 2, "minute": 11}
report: {"hour": 11, "minute": 50}
